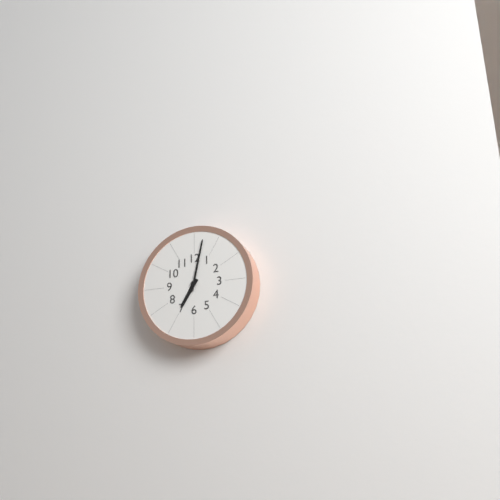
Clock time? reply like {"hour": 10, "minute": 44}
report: {"hour": 7, "minute": 2}
